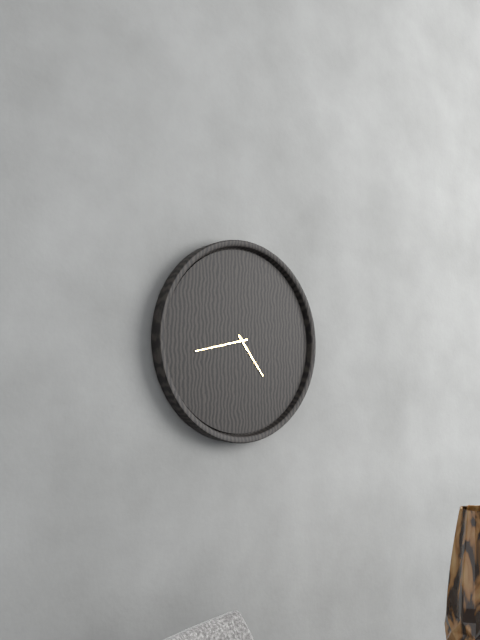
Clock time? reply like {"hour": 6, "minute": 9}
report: {"hour": 4, "minute": 43}
